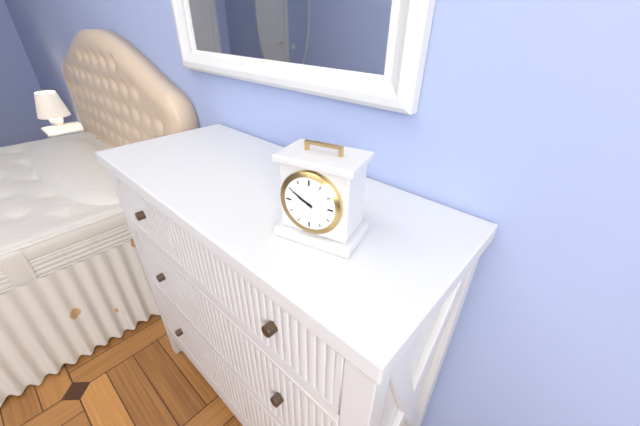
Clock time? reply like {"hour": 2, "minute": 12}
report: {"hour": 9, "minute": 50}
